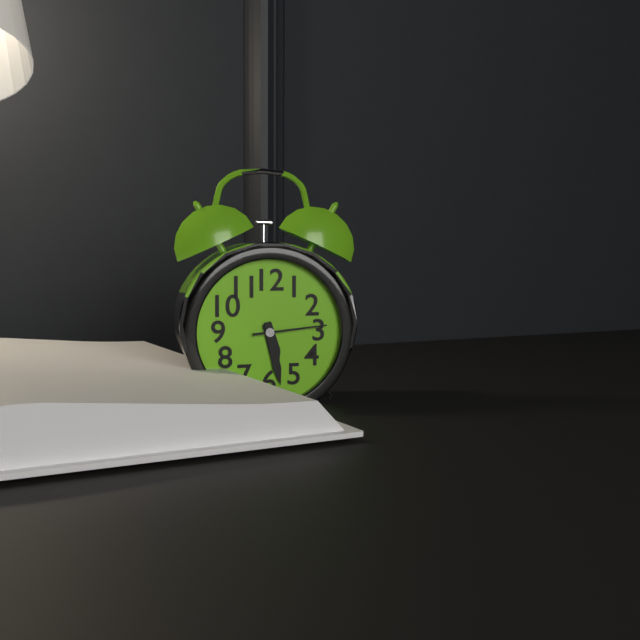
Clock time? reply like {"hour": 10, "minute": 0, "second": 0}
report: {"hour": 5, "minute": 28, "second": 14}
